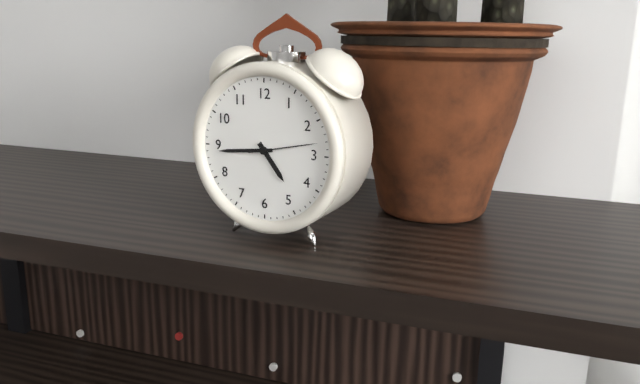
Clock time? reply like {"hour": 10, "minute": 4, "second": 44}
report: {"hour": 4, "minute": 44, "second": 13}
